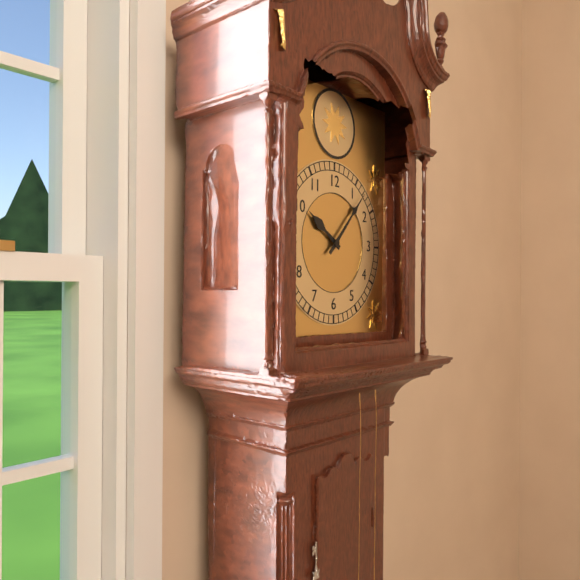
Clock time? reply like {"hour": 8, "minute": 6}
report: {"hour": 10, "minute": 7}
